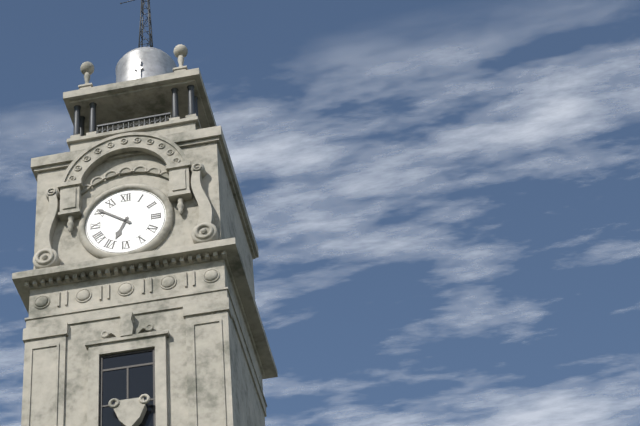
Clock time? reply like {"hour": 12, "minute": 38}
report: {"hour": 6, "minute": 51}
